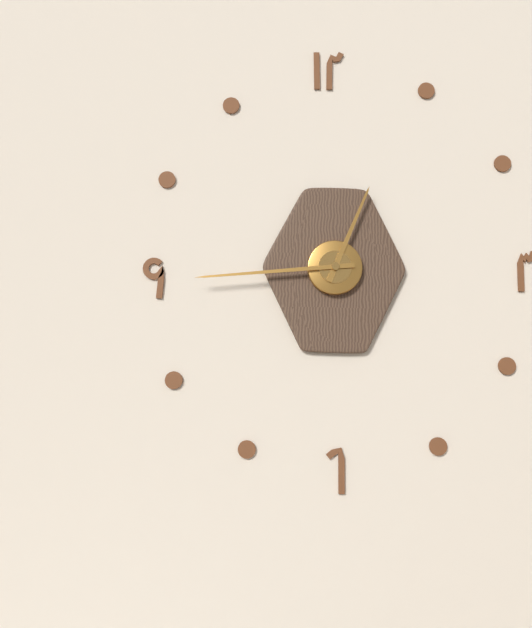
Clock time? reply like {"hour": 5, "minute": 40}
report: {"hour": 12, "minute": 44}
